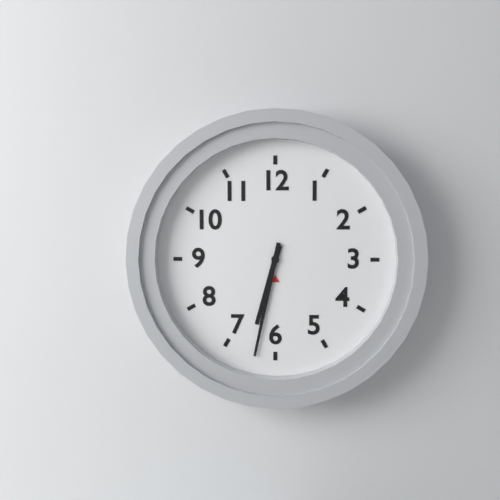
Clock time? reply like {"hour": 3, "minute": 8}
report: {"hour": 6, "minute": 32}
